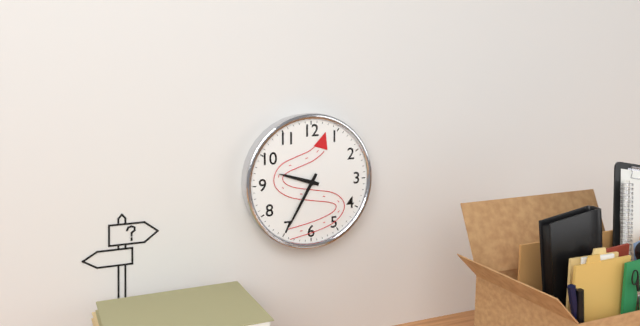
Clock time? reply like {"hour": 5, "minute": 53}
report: {"hour": 9, "minute": 35}
